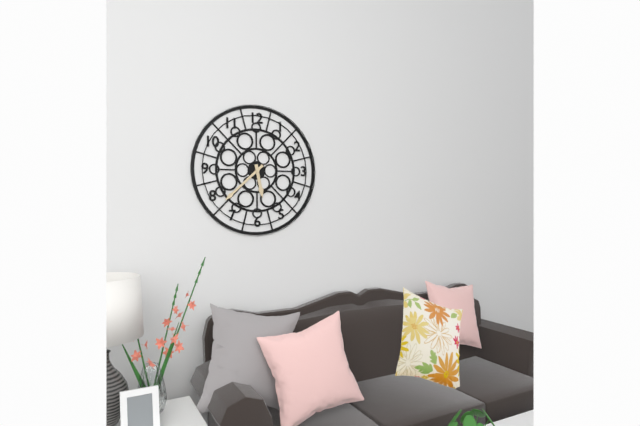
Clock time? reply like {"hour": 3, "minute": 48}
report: {"hour": 5, "minute": 38}
